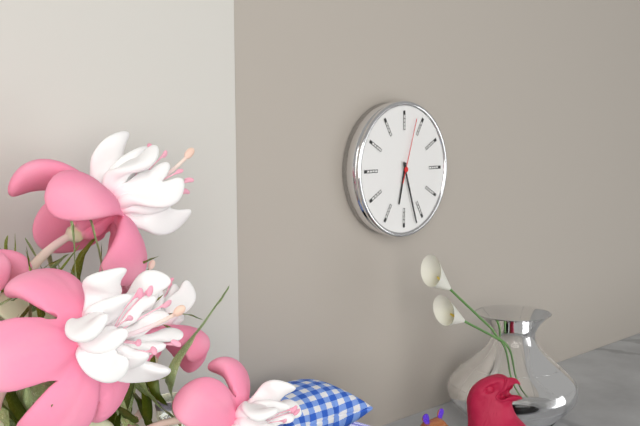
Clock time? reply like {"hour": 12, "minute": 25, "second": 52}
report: {"hour": 6, "minute": 27, "second": 3}
